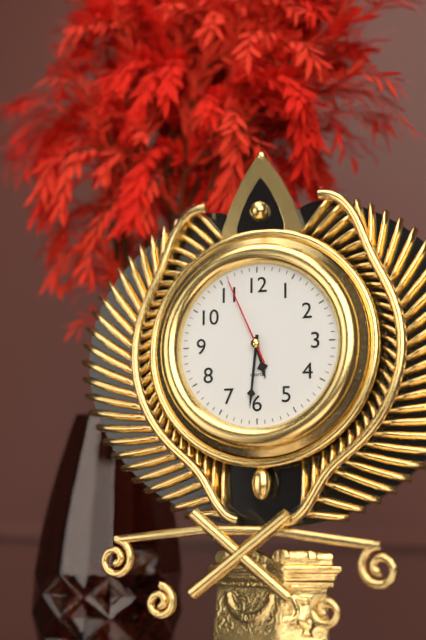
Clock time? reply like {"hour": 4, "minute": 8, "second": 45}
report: {"hour": 5, "minute": 31, "second": 56}
